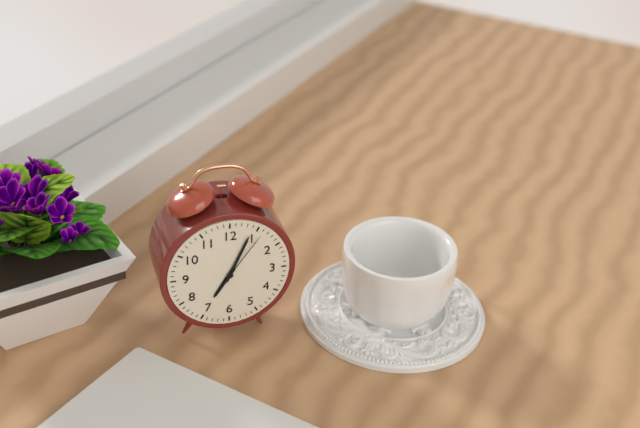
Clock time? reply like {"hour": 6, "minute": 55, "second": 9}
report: {"hour": 7, "minute": 4, "second": 6}
